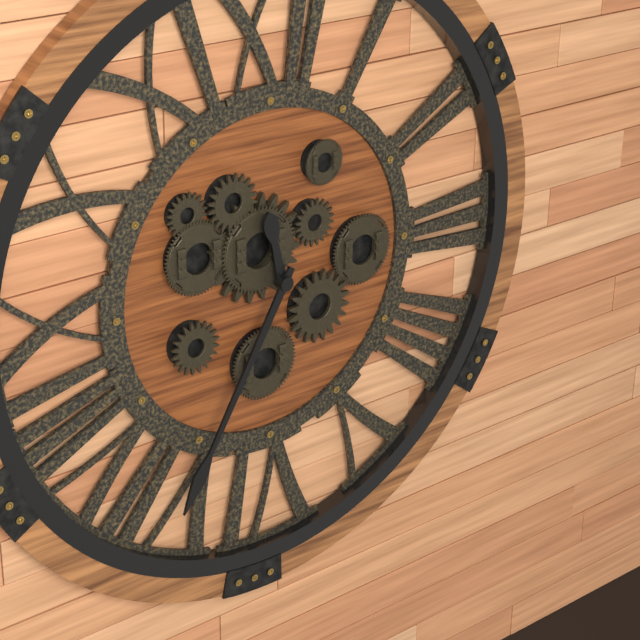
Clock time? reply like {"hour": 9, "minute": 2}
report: {"hour": 11, "minute": 35}
